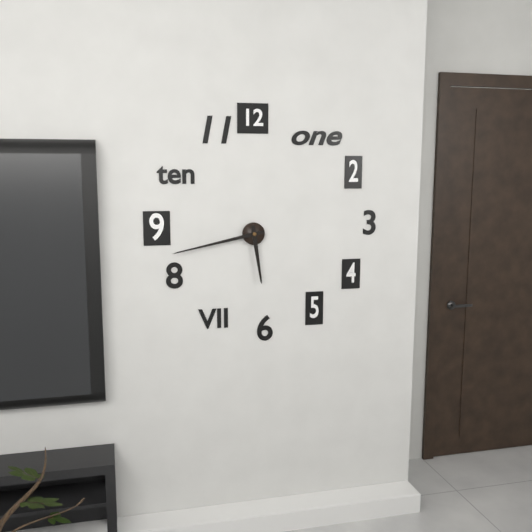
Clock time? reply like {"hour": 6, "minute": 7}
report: {"hour": 5, "minute": 43}
